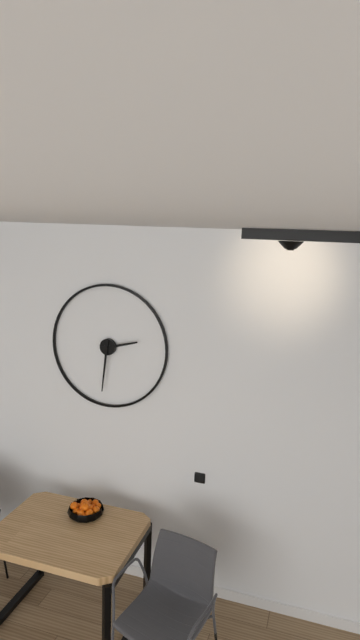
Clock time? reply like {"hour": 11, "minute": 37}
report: {"hour": 2, "minute": 31}
